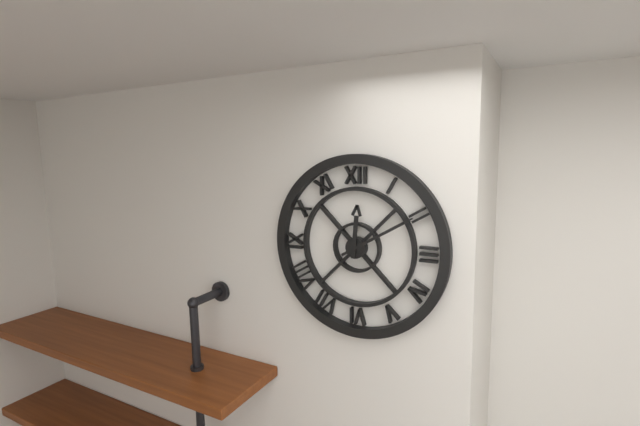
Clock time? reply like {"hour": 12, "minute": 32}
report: {"hour": 12, "minute": 10}
